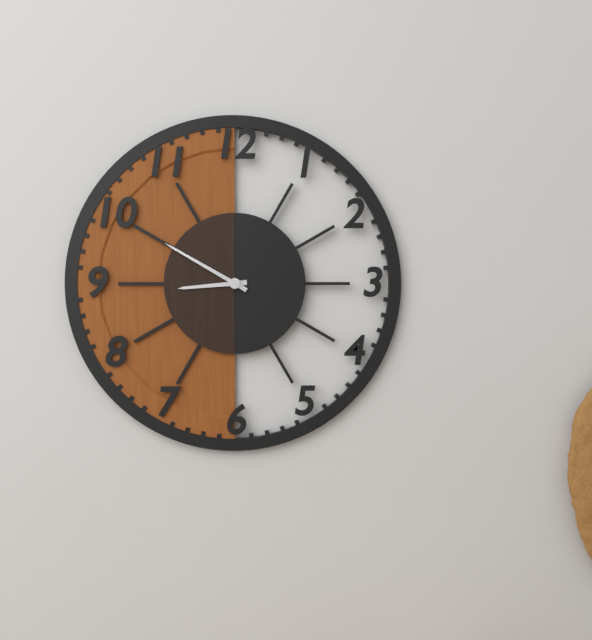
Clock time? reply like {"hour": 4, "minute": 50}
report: {"hour": 8, "minute": 50}
